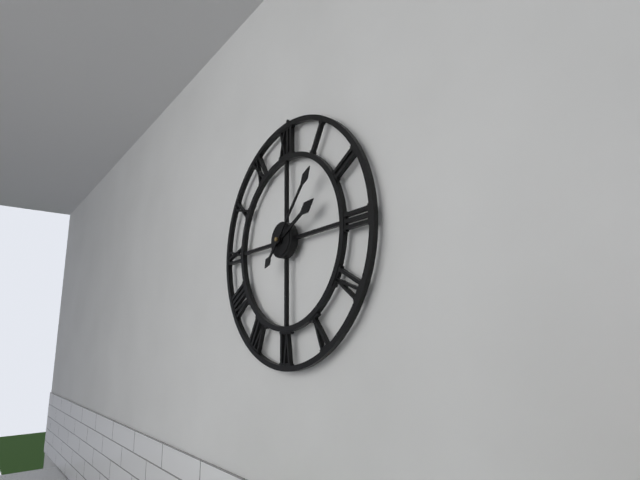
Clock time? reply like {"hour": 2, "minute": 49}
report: {"hour": 2, "minute": 7}
